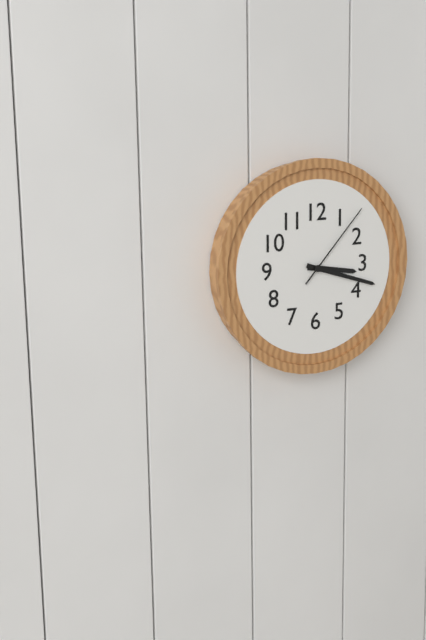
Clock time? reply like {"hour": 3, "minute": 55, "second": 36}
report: {"hour": 3, "minute": 18, "second": 7}
